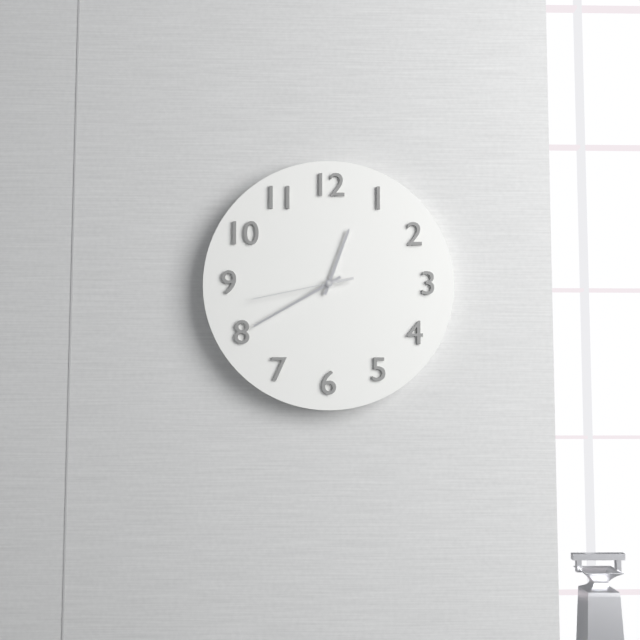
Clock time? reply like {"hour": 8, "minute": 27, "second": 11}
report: {"hour": 12, "minute": 40, "second": 43}
